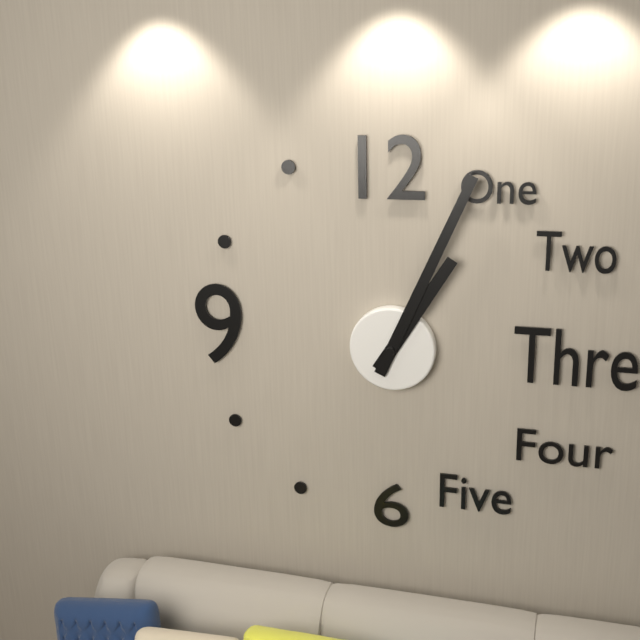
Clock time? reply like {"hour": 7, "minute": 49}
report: {"hour": 1, "minute": 4}
